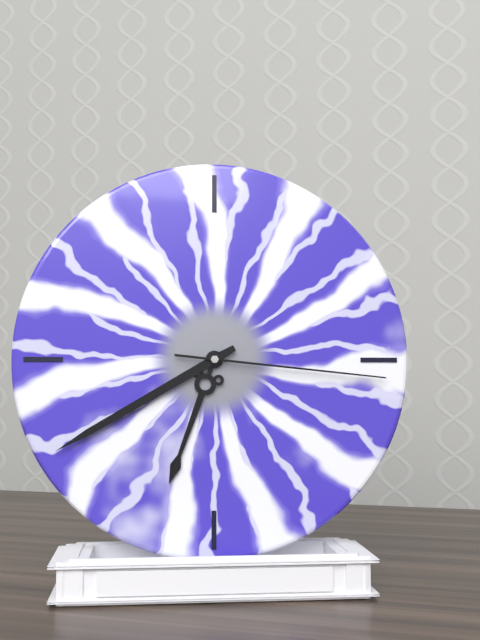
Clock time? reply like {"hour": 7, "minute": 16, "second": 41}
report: {"hour": 6, "minute": 40, "second": 16}
